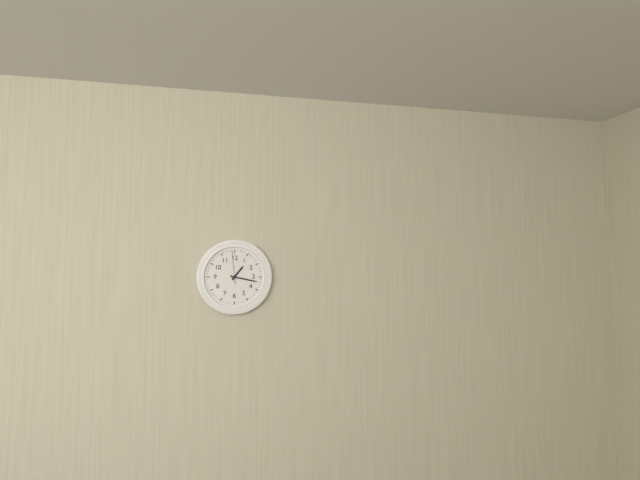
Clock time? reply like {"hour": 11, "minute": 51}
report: {"hour": 1, "minute": 17}
